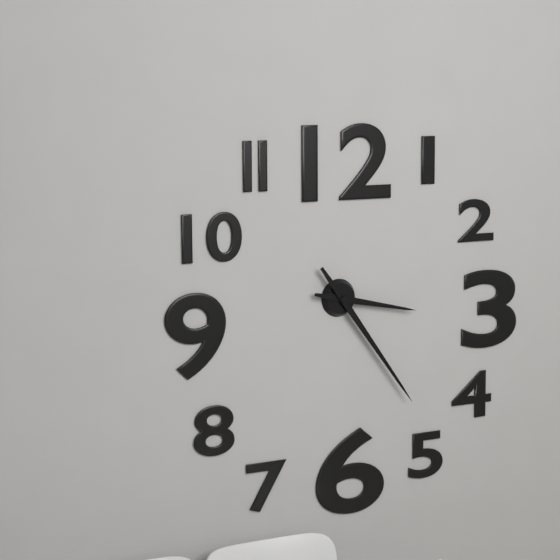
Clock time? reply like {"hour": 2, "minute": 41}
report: {"hour": 3, "minute": 24}
